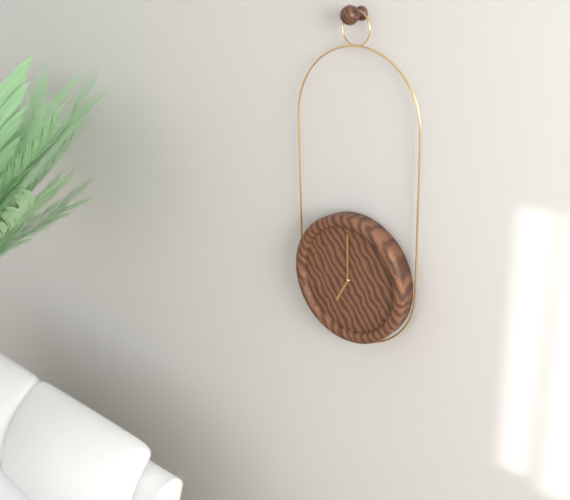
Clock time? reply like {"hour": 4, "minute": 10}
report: {"hour": 7, "minute": 0}
